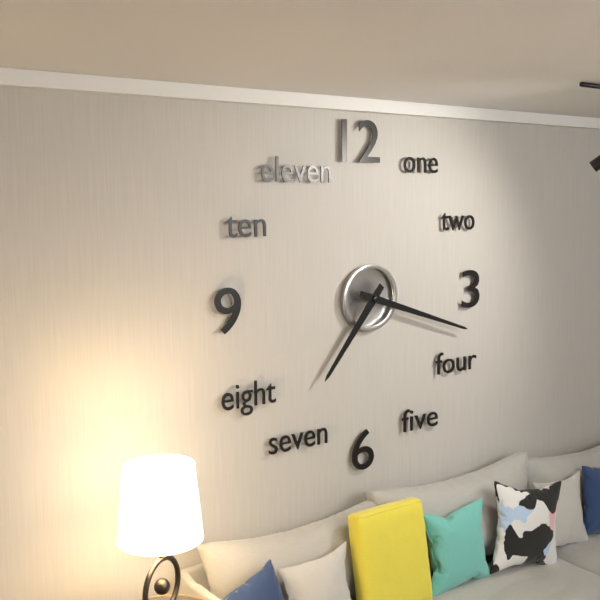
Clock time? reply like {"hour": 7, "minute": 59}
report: {"hour": 7, "minute": 18}
